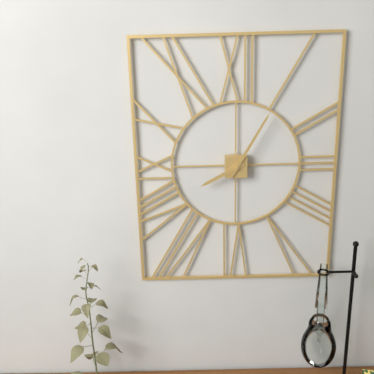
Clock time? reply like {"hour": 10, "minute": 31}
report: {"hour": 8, "minute": 5}
